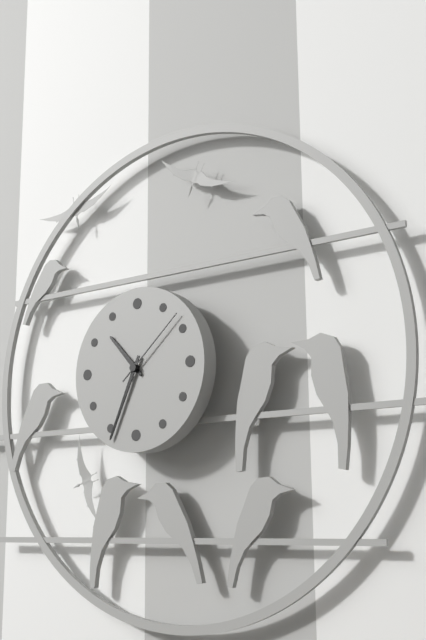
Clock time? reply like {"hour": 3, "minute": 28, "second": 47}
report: {"hour": 10, "minute": 34, "second": 8}
